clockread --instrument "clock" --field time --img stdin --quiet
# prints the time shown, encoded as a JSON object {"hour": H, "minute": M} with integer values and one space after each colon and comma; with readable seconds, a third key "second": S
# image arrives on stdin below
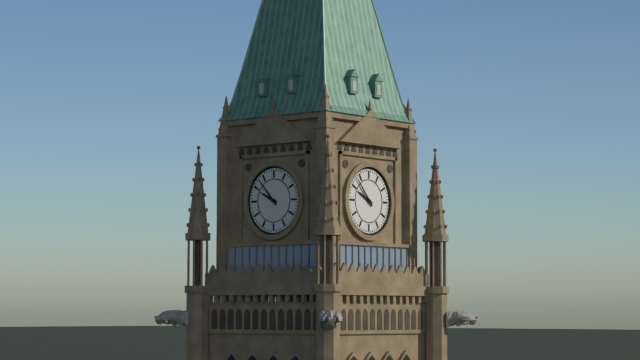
{"hour": 9, "minute": 53}
